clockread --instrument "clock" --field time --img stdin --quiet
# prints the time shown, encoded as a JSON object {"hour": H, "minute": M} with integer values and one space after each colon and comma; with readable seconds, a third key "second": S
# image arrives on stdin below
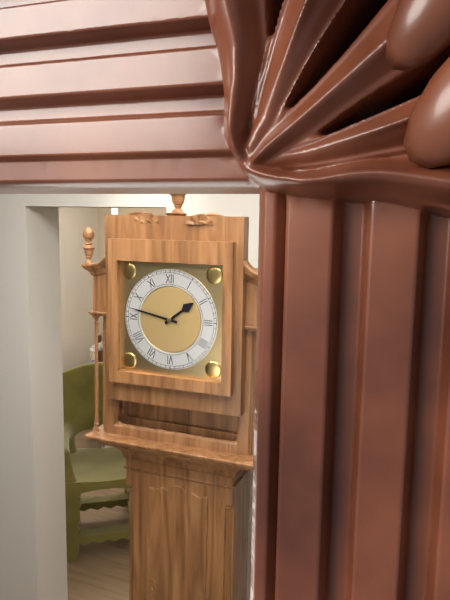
{"hour": 1, "minute": 47}
